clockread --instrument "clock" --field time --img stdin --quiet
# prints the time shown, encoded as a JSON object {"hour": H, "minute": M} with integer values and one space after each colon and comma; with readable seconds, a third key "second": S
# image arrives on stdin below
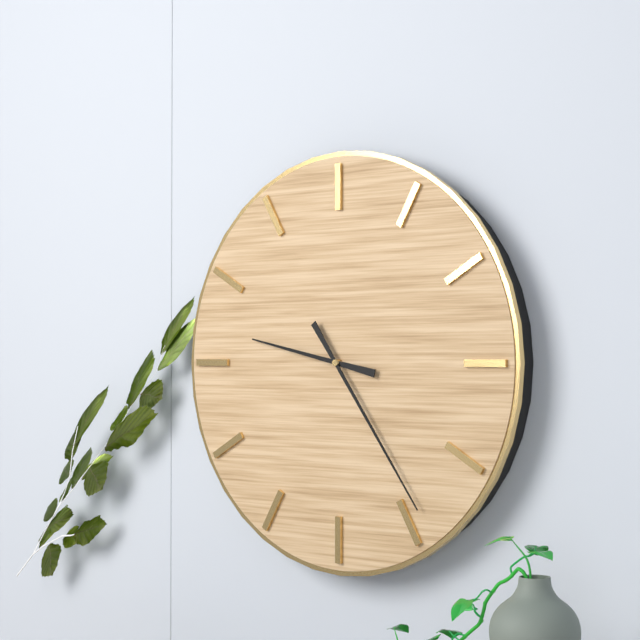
{"hour": 9, "minute": 24}
